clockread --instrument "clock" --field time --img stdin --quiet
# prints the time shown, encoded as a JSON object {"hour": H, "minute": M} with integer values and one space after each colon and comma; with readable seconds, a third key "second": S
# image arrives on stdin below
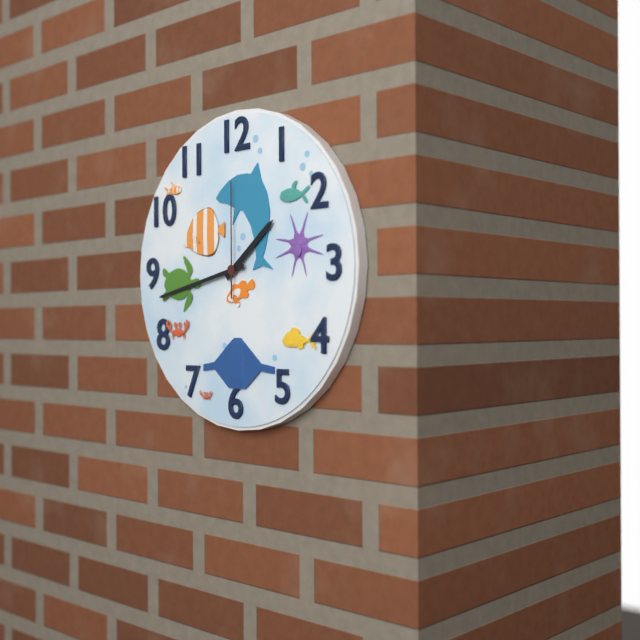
{"hour": 1, "minute": 43, "second": 0}
